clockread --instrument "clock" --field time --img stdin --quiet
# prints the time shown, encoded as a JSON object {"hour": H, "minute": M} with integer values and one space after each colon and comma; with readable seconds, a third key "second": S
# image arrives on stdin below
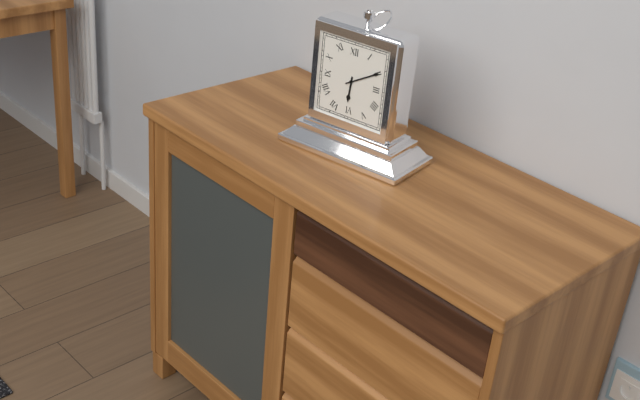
{"hour": 6, "minute": 10}
